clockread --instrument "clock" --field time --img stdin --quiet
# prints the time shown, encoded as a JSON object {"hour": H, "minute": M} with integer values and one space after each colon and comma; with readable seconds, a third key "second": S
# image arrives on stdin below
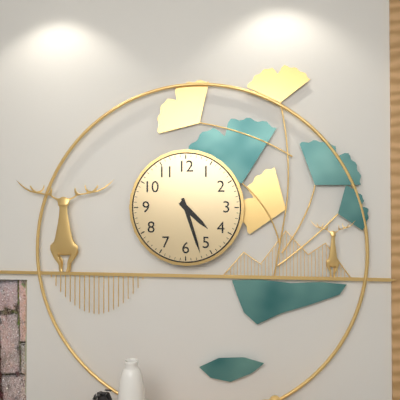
{"hour": 4, "minute": 27}
